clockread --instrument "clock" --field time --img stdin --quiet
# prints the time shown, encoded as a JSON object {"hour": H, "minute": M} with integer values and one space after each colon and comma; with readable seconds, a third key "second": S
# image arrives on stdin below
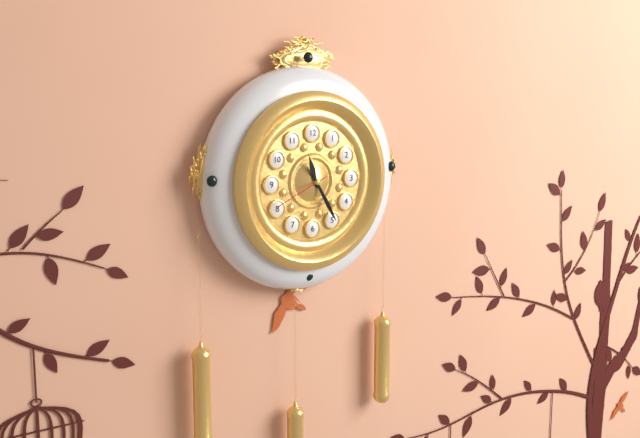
{"hour": 11, "minute": 25, "second": 41}
